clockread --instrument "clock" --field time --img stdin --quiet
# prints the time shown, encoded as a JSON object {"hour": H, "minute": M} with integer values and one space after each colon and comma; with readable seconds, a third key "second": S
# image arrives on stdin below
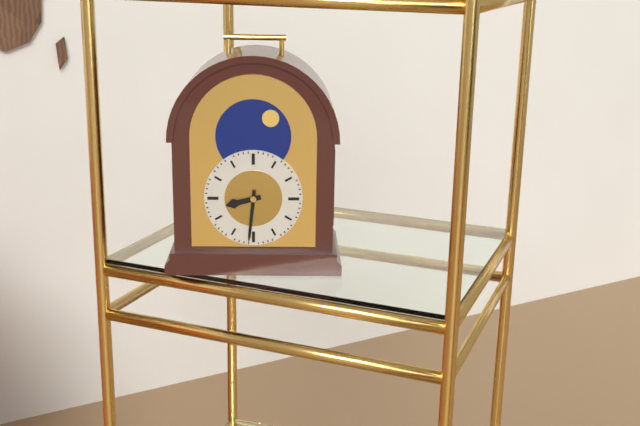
{"hour": 8, "minute": 31}
